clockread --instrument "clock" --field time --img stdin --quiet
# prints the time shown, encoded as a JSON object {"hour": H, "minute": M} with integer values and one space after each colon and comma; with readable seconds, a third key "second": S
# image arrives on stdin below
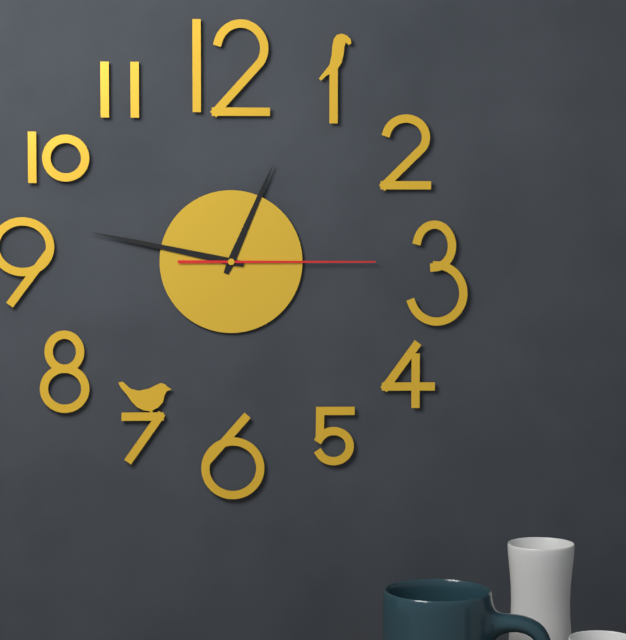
{"hour": 12, "minute": 47, "second": 15}
